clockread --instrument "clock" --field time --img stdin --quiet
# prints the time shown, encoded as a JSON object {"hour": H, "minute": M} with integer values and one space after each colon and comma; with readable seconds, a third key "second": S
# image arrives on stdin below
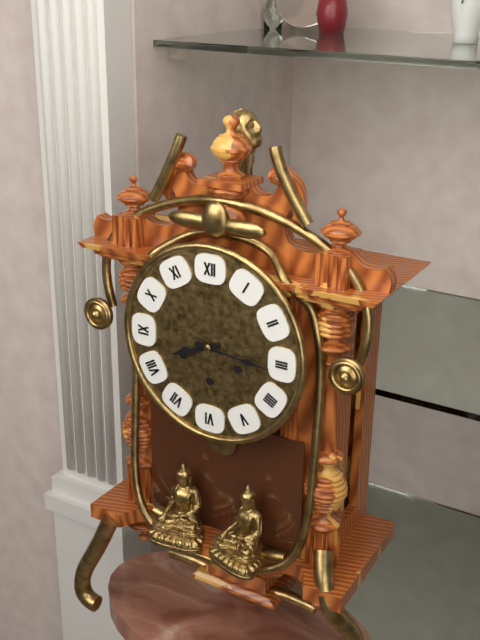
{"hour": 8, "minute": 16}
